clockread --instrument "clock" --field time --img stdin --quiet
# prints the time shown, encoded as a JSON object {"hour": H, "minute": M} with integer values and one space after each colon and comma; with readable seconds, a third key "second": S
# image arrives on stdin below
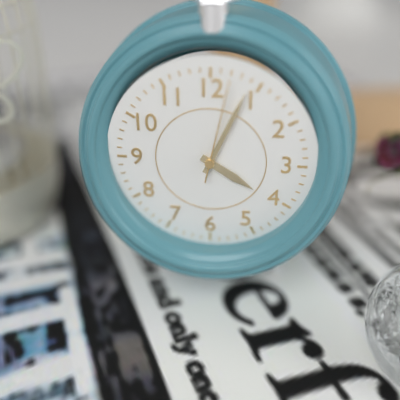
{"hour": 4, "minute": 4, "second": 2}
